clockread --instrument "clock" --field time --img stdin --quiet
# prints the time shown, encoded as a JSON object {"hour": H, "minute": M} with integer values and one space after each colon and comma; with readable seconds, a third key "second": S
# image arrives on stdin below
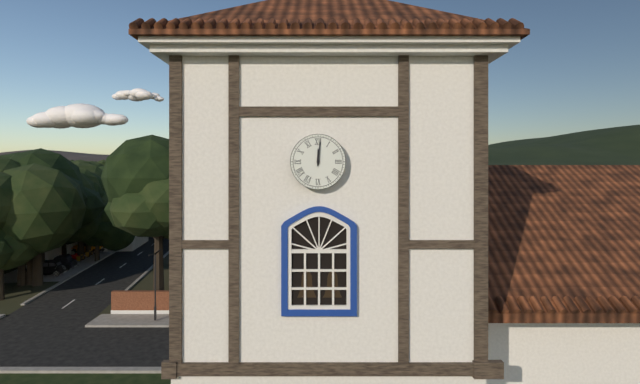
{"hour": 12, "minute": 1}
